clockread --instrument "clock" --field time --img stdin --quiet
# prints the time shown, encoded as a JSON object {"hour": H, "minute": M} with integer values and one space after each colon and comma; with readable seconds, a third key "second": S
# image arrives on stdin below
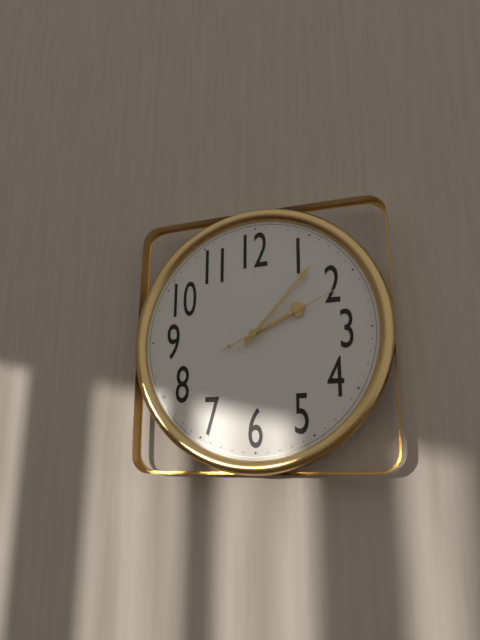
{"hour": 2, "minute": 7, "second": 11}
